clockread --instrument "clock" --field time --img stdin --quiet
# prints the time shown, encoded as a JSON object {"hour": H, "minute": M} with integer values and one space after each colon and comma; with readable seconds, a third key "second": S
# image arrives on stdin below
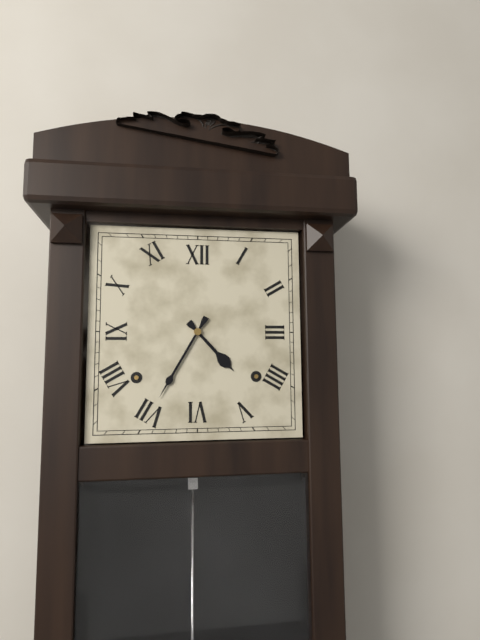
{"hour": 4, "minute": 35}
